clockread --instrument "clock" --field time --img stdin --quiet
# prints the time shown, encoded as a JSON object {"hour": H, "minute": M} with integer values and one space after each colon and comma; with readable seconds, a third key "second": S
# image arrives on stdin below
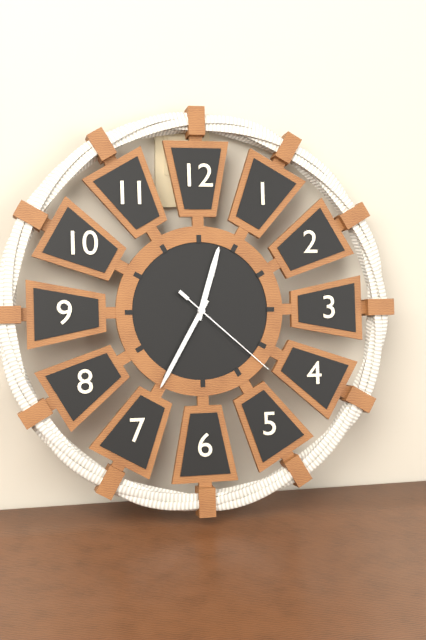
{"hour": 12, "minute": 35, "second": 22}
